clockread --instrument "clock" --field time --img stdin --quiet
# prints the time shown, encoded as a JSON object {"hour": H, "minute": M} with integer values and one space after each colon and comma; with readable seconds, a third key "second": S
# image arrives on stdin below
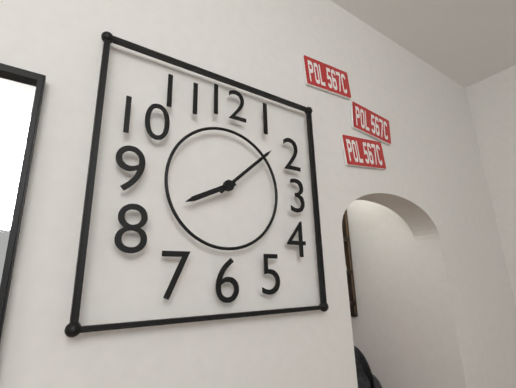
{"hour": 8, "minute": 8}
